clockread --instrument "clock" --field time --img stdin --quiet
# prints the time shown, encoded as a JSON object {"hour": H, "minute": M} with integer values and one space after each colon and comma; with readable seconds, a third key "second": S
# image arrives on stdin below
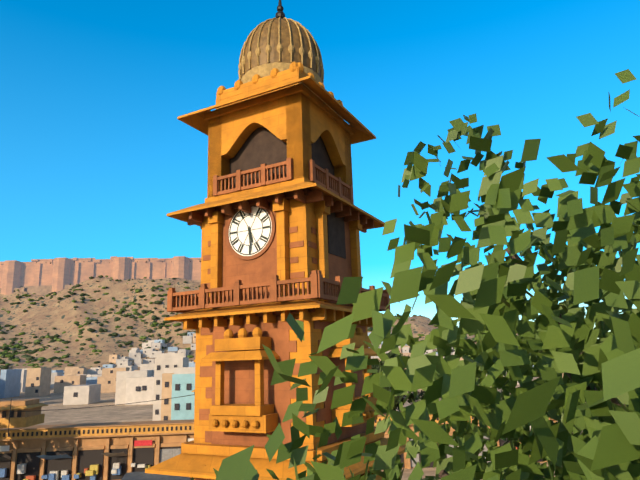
{"hour": 5, "minute": 29}
